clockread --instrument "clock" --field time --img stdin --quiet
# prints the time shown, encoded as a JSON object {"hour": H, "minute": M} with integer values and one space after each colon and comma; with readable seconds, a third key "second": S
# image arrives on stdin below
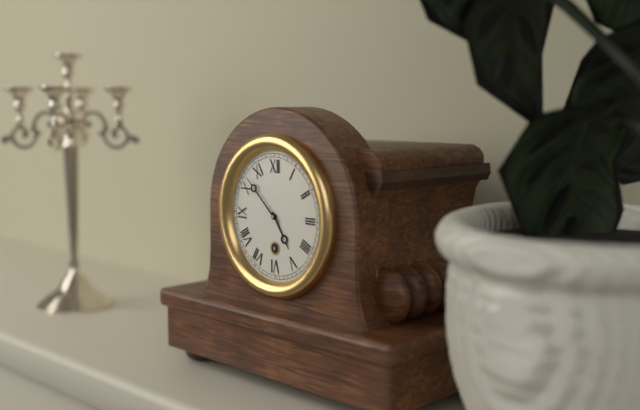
{"hour": 4, "minute": 52}
